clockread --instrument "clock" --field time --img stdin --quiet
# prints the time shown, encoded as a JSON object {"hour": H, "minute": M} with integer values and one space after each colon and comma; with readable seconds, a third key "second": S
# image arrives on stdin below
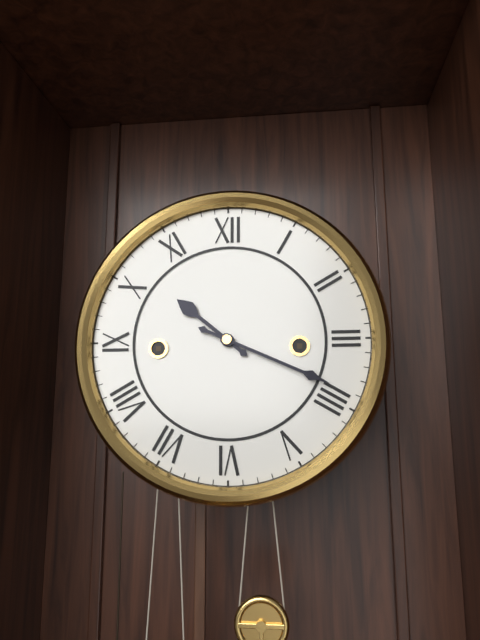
{"hour": 10, "minute": 19}
